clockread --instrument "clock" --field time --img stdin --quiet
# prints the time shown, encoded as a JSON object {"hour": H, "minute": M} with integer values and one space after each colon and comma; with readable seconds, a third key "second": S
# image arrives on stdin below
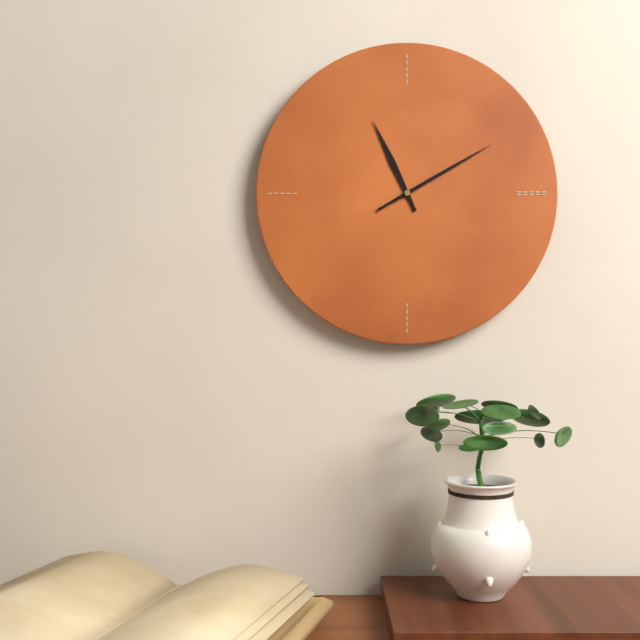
{"hour": 11, "minute": 10}
